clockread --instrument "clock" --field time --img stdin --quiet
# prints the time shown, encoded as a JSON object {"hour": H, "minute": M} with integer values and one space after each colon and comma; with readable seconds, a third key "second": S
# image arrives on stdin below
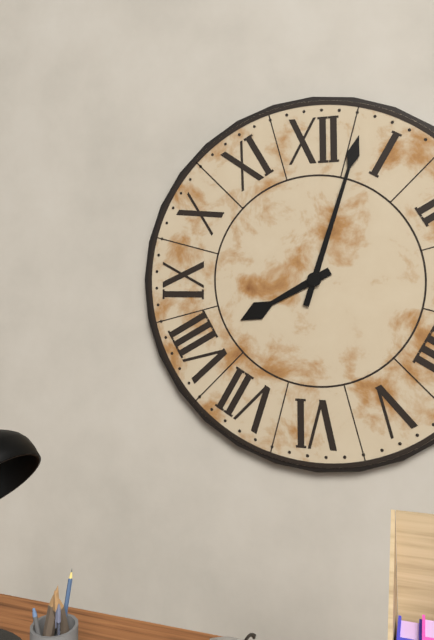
{"hour": 8, "minute": 3}
